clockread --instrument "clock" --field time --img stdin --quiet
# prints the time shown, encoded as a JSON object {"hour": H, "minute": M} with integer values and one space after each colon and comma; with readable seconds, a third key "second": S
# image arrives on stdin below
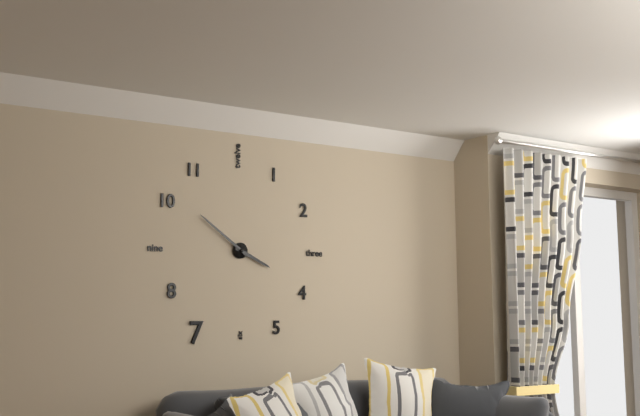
{"hour": 3, "minute": 51}
